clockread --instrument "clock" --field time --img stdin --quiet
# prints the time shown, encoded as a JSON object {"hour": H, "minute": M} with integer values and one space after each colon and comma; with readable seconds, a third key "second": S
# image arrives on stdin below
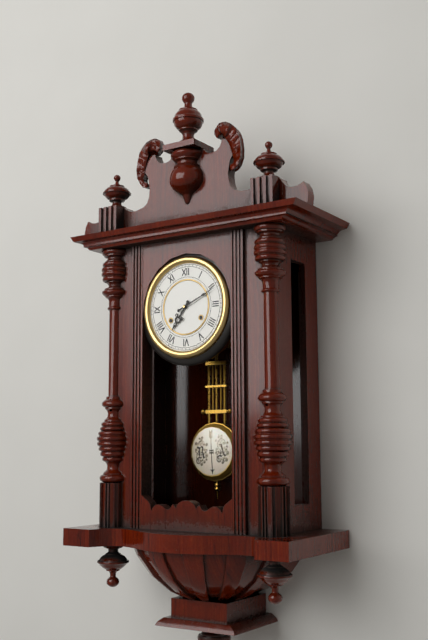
{"hour": 7, "minute": 11}
